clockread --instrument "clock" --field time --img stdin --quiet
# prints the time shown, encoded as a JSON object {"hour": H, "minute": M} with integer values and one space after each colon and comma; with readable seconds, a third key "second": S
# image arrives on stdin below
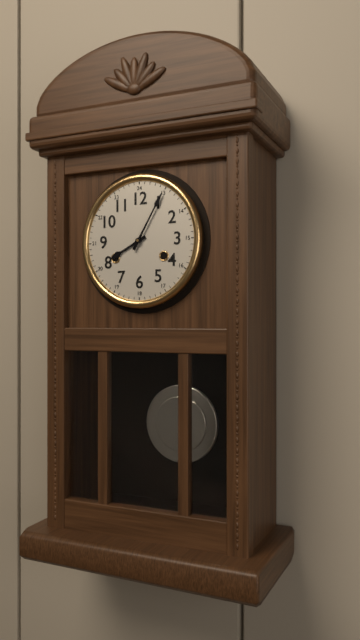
{"hour": 8, "minute": 5}
